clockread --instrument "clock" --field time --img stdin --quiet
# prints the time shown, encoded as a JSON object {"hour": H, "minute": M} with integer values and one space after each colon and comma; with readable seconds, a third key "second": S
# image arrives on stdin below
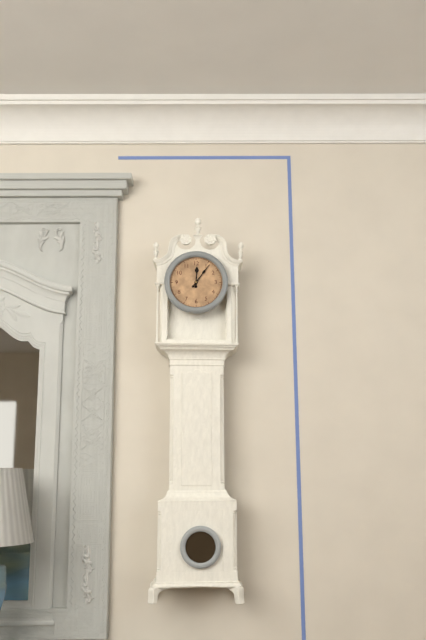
{"hour": 12, "minute": 6}
